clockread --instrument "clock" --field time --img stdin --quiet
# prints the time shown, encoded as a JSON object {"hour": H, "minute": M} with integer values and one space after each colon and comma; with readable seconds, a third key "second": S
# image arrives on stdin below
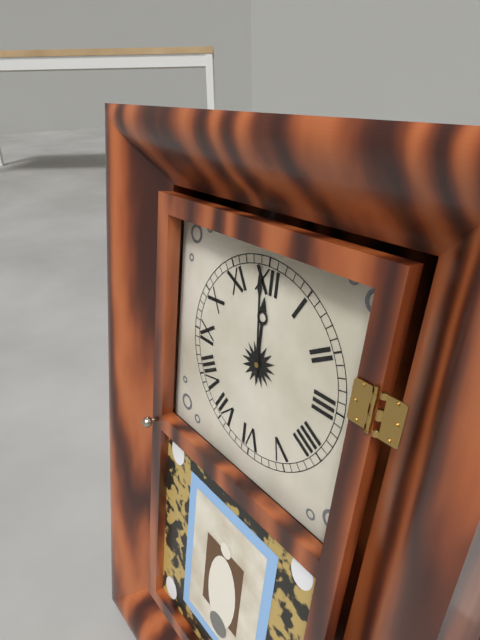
{"hour": 11, "minute": 59}
